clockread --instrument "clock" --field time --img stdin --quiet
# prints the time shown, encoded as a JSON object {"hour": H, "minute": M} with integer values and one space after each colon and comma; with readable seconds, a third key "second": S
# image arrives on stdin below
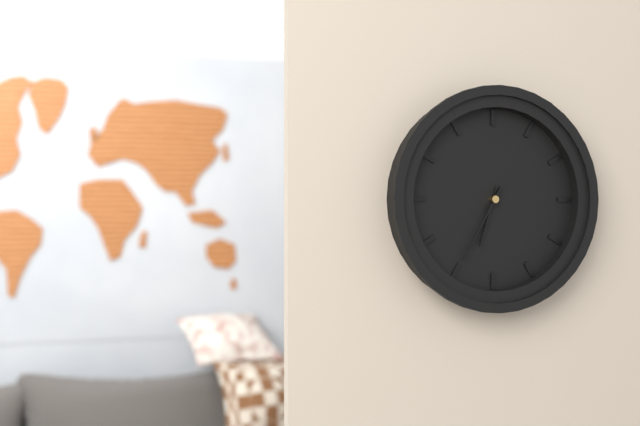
{"hour": 6, "minute": 35}
